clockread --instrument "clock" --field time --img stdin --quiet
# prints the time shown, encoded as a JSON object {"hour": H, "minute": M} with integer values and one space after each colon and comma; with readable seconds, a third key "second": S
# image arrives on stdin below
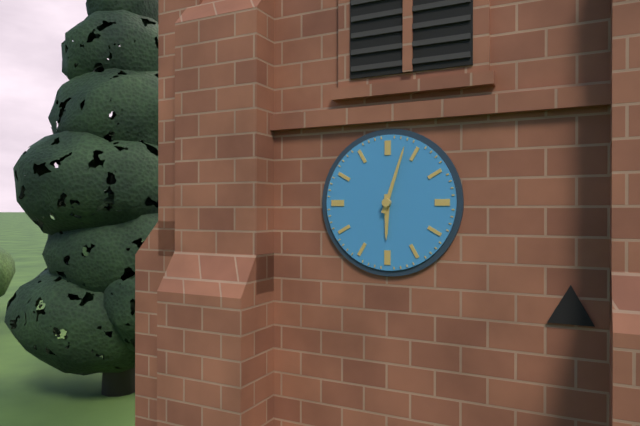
{"hour": 6, "minute": 3}
